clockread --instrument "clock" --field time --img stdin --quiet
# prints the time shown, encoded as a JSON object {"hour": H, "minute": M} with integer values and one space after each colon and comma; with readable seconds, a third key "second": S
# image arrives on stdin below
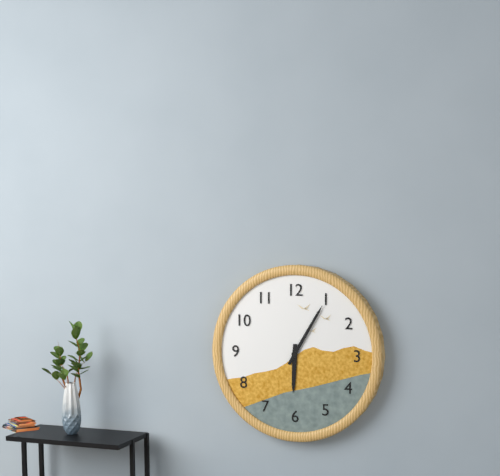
{"hour": 6, "minute": 5}
